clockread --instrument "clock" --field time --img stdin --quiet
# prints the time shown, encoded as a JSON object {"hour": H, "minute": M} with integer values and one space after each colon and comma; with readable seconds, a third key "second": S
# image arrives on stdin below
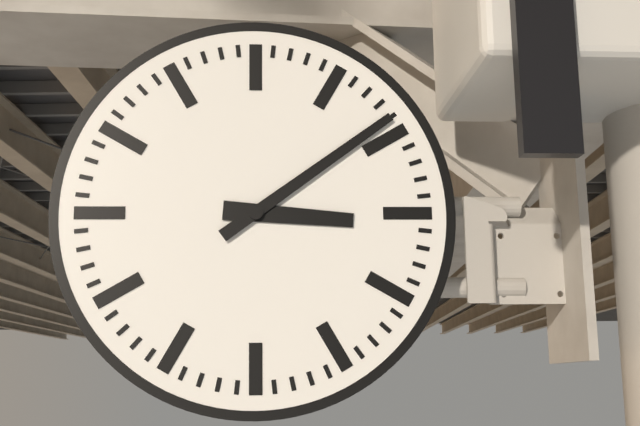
{"hour": 3, "minute": 9}
